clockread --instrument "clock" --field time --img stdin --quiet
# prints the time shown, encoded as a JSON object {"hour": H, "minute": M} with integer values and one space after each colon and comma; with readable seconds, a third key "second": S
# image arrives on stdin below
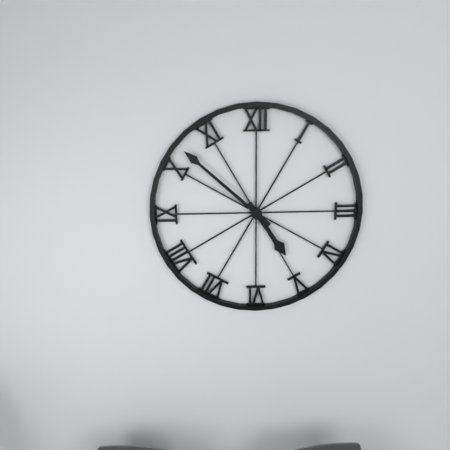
{"hour": 4, "minute": 52}
